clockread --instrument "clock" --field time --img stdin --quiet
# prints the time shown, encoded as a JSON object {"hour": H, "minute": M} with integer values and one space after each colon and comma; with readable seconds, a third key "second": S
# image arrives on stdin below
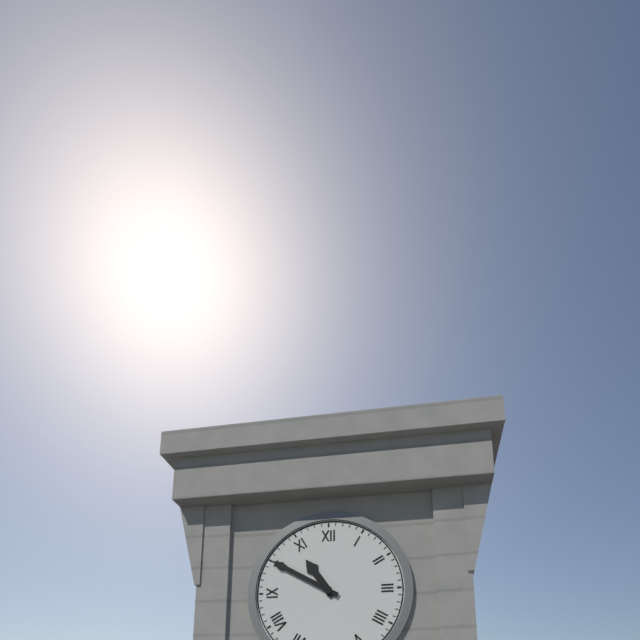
{"hour": 10, "minute": 50}
